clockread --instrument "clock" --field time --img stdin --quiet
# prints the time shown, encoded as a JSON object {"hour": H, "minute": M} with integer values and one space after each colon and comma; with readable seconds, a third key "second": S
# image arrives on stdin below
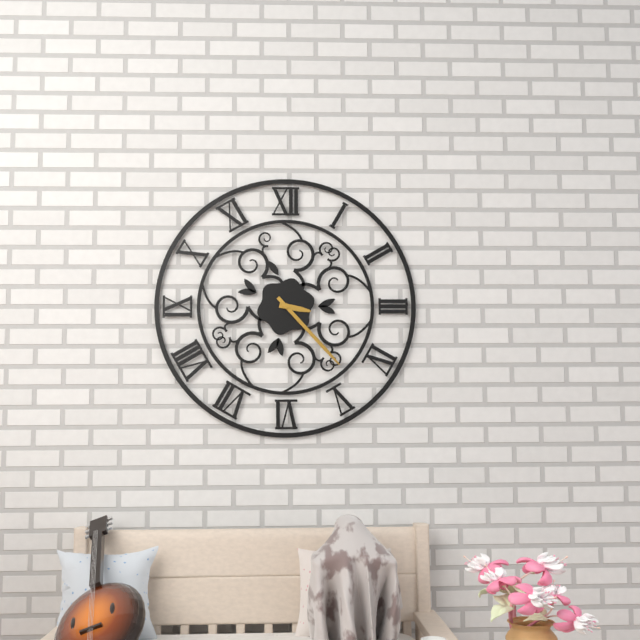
{"hour": 3, "minute": 23}
